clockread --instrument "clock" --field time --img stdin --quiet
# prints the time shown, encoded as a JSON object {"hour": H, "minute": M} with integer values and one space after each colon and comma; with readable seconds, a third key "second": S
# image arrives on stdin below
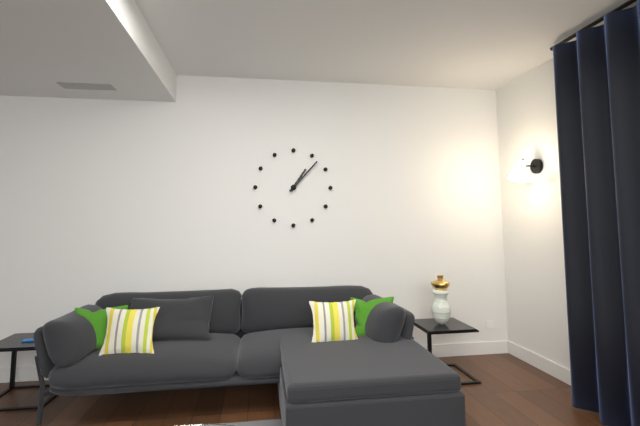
{"hour": 1, "minute": 7}
